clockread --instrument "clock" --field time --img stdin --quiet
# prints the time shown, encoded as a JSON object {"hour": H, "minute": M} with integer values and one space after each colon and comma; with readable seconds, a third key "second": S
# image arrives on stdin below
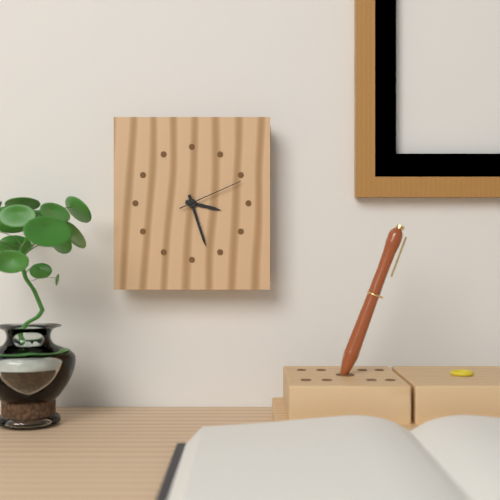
{"hour": 3, "minute": 27, "second": 11}
